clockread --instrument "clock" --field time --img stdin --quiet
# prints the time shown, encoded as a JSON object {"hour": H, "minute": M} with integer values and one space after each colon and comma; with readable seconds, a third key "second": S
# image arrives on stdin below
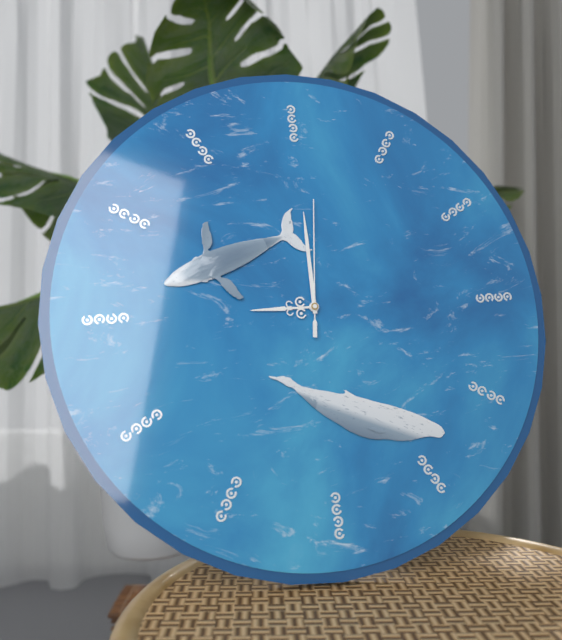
{"hour": 9, "minute": 0, "second": 1}
